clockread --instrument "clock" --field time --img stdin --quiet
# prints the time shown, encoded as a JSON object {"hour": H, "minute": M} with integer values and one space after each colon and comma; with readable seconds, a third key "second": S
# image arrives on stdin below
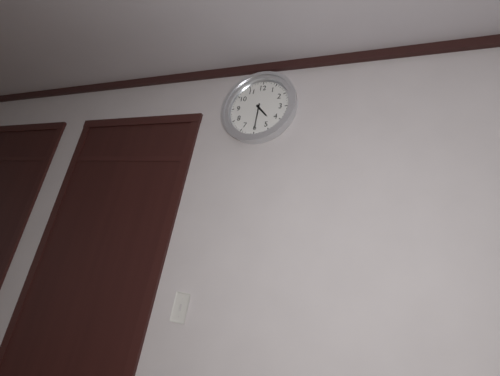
{"hour": 4, "minute": 30}
